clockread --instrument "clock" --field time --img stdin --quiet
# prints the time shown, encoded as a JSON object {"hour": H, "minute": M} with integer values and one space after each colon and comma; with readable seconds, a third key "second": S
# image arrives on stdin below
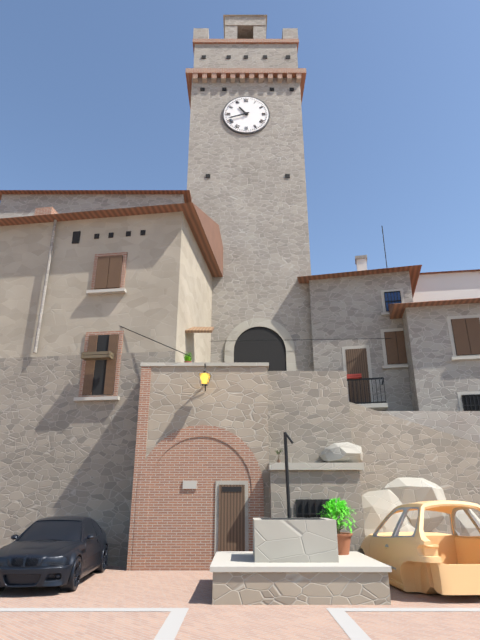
{"hour": 10, "minute": 42}
